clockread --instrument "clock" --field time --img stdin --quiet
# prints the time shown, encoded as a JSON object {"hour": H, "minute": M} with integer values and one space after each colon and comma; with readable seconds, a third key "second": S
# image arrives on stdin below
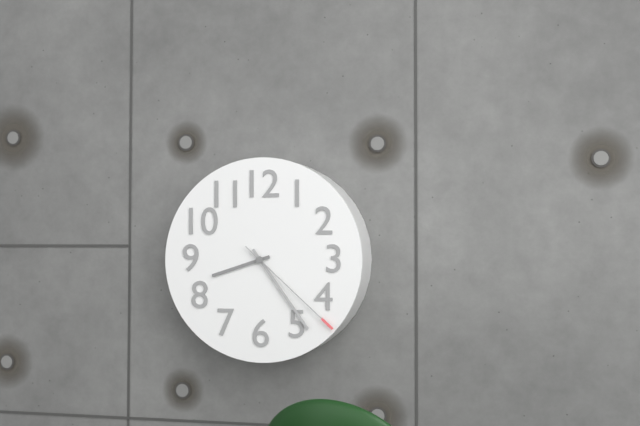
{"hour": 8, "minute": 24, "second": 22}
